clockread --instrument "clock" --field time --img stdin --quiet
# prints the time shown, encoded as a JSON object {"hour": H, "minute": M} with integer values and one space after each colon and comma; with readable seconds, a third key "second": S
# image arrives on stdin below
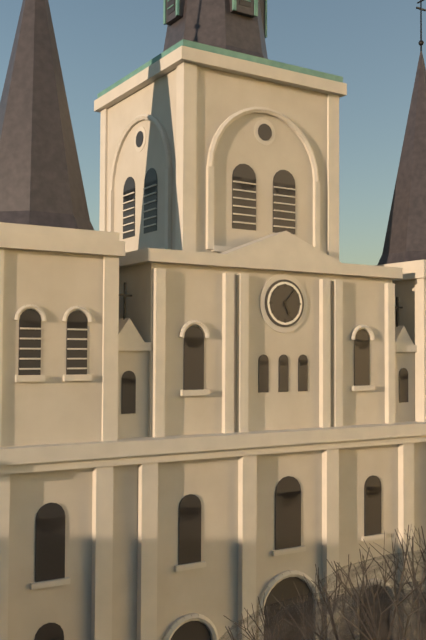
{"hour": 5, "minute": 7}
